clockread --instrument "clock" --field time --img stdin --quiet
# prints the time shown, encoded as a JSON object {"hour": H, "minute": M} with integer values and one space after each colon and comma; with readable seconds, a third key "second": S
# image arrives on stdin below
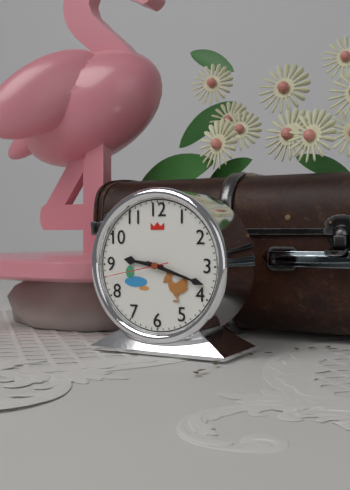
{"hour": 9, "minute": 18, "second": 43}
